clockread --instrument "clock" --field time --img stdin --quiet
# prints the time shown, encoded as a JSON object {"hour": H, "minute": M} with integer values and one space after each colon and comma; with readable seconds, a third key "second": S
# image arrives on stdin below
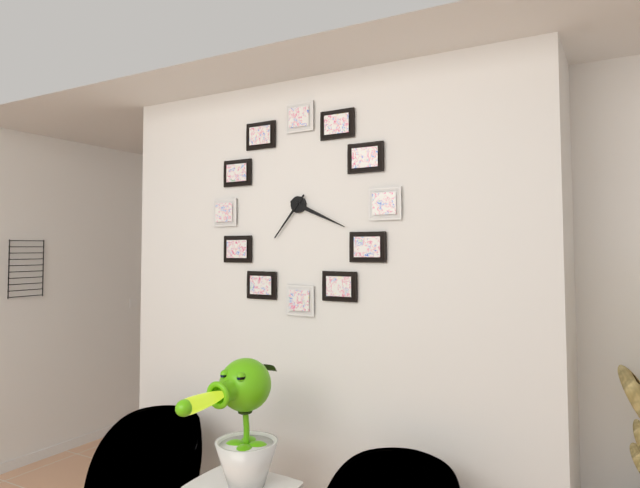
{"hour": 7, "minute": 19}
